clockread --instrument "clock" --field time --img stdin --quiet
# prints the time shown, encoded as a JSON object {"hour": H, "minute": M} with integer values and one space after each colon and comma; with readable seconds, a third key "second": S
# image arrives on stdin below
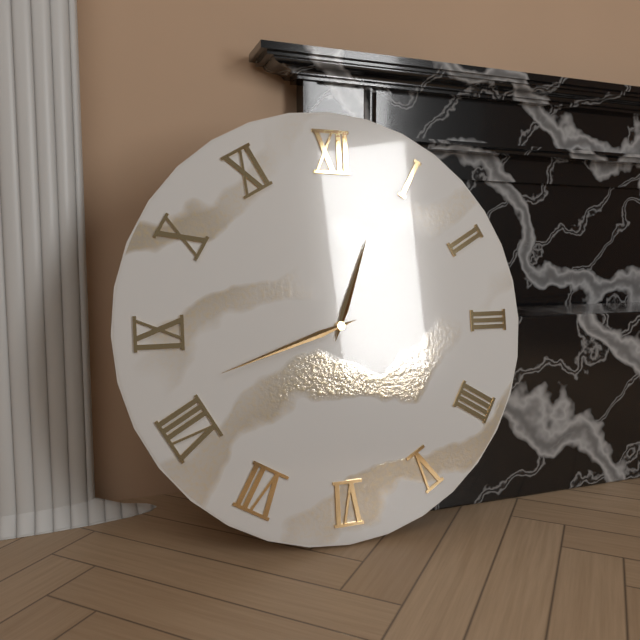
{"hour": 12, "minute": 42}
